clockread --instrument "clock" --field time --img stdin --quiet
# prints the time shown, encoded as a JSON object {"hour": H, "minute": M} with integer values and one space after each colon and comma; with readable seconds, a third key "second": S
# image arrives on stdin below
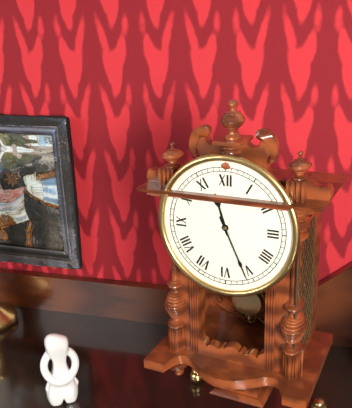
{"hour": 11, "minute": 26}
